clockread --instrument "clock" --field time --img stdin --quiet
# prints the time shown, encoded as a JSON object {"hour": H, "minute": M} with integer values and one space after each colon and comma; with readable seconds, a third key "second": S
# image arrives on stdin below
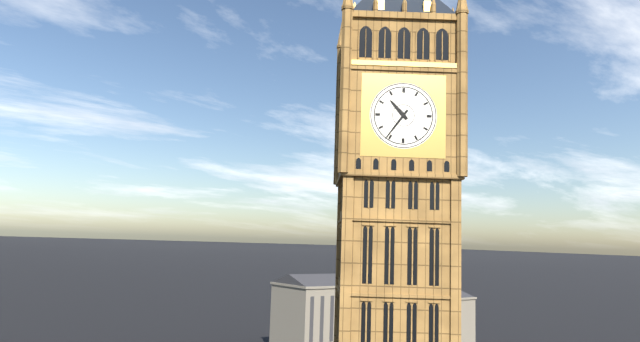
{"hour": 10, "minute": 36}
